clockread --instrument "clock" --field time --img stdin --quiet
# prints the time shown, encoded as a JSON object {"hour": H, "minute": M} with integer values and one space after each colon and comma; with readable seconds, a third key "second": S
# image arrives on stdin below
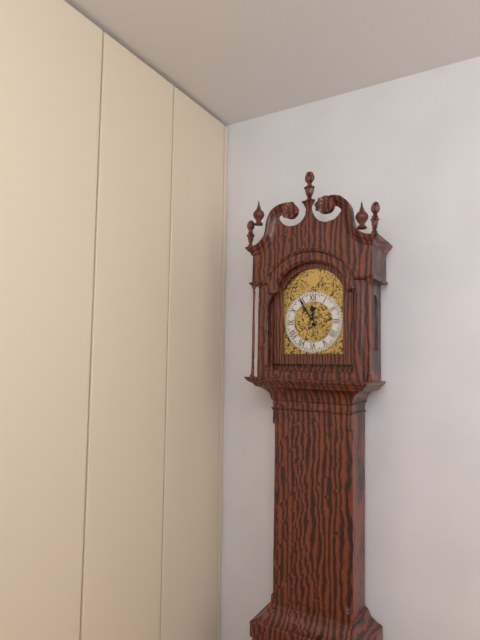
{"hour": 11, "minute": 55}
